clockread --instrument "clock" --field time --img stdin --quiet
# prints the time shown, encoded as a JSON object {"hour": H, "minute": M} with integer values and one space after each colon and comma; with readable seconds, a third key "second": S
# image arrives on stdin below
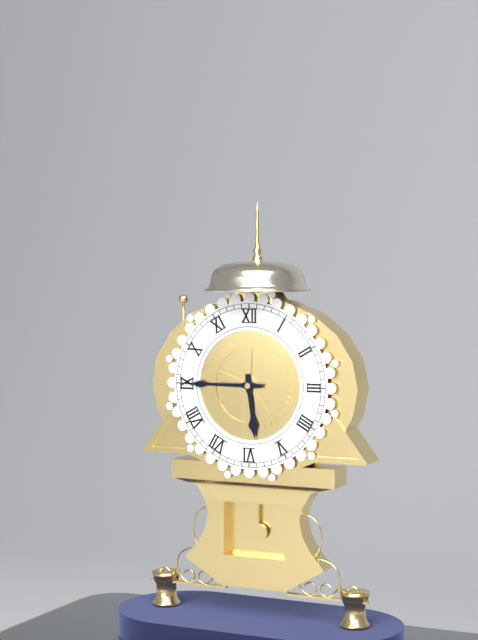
{"hour": 5, "minute": 45}
